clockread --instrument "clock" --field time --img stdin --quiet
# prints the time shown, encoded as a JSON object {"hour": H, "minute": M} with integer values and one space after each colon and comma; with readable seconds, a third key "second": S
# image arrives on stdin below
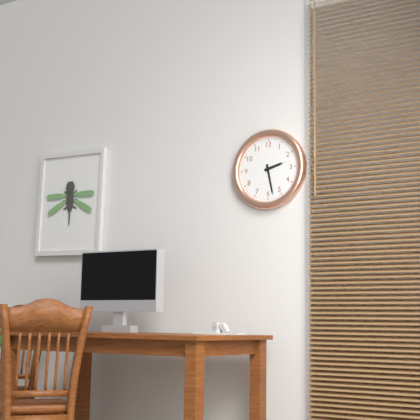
{"hour": 2, "minute": 28}
